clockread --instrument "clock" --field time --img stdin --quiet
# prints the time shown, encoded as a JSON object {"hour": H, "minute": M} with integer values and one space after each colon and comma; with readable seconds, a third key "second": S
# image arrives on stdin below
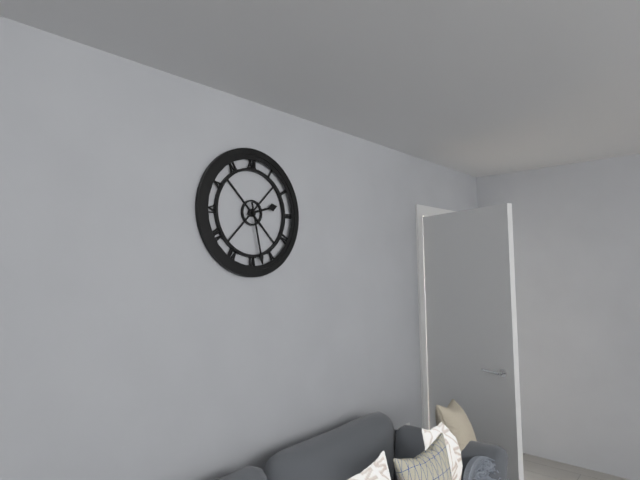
{"hour": 2, "minute": 28}
